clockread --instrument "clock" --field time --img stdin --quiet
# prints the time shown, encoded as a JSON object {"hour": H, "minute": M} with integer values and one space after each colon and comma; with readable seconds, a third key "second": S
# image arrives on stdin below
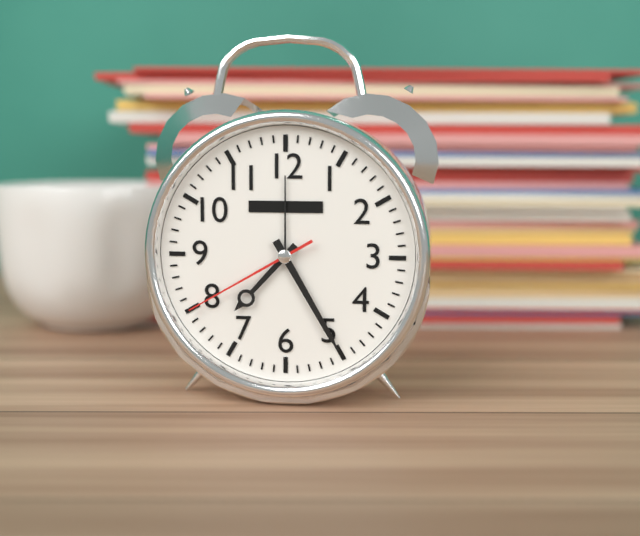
{"hour": 7, "minute": 25, "second": 40}
